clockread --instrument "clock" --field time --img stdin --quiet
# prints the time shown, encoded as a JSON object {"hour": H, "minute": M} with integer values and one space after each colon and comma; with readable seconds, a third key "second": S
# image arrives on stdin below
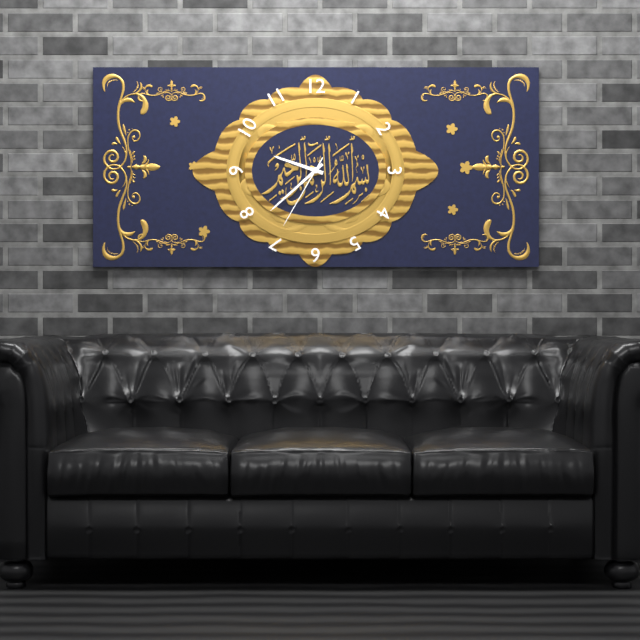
{"hour": 9, "minute": 38, "second": 35}
